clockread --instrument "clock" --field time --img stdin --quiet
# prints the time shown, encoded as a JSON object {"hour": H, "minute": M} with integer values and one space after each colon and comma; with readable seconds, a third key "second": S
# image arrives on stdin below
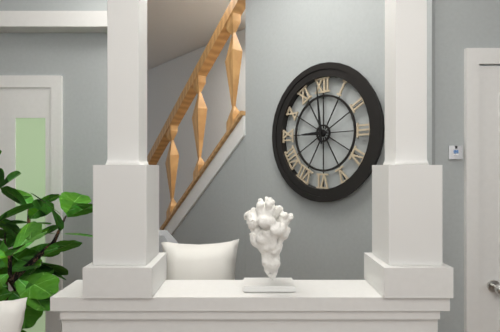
{"hour": 8, "minute": 59}
